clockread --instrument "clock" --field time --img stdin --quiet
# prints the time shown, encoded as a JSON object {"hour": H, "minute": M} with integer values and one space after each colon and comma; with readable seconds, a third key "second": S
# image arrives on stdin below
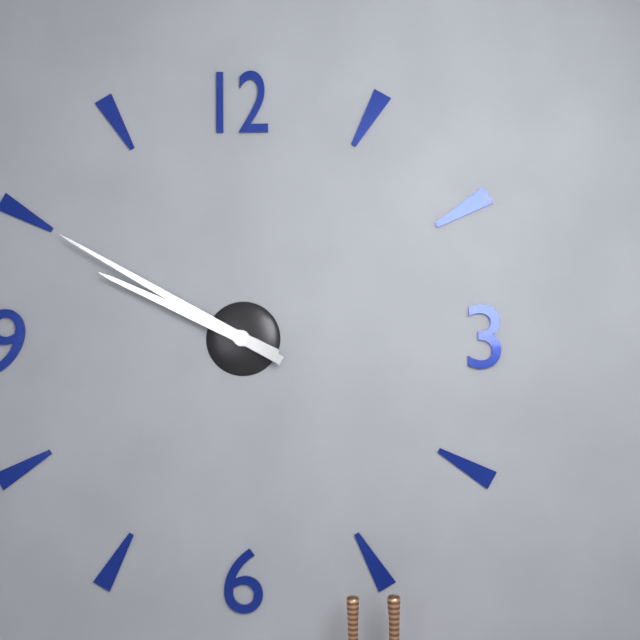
{"hour": 9, "minute": 50}
